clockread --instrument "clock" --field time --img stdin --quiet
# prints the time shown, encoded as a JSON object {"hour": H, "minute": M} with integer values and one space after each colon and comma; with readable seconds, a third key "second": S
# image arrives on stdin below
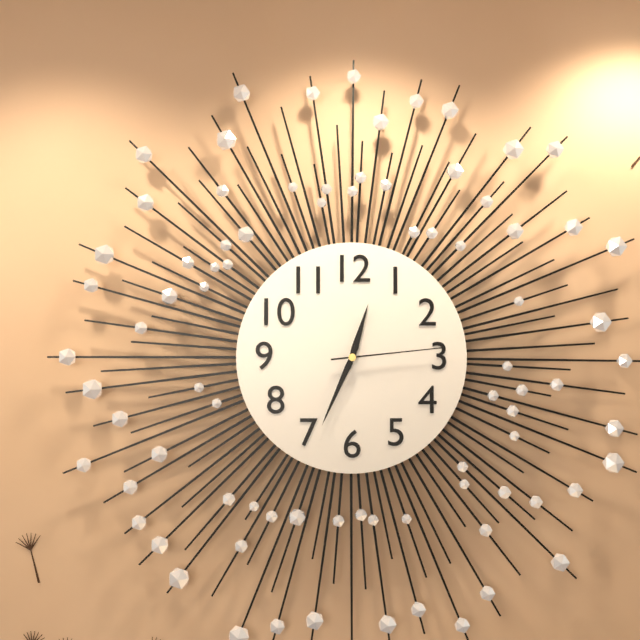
{"hour": 12, "minute": 34, "second": 14}
